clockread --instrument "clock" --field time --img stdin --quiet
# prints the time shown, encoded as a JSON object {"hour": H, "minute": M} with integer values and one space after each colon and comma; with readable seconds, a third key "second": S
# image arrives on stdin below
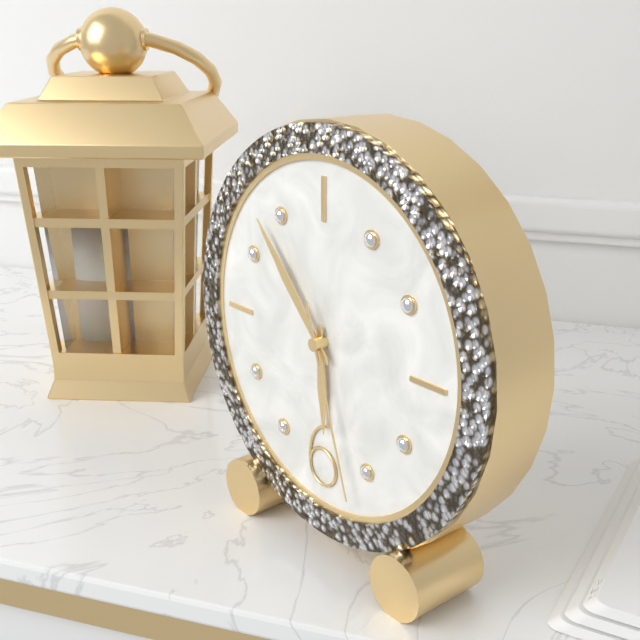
{"hour": 5, "minute": 53, "second": 27}
